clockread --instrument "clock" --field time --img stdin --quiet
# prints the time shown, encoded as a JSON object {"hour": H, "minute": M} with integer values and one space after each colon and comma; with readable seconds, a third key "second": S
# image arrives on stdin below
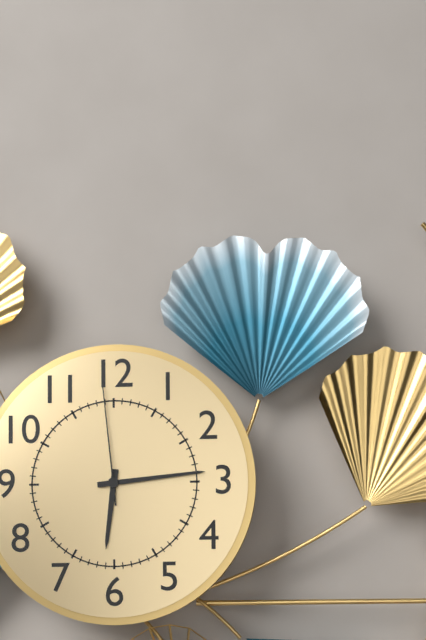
{"hour": 6, "minute": 14, "second": 59}
